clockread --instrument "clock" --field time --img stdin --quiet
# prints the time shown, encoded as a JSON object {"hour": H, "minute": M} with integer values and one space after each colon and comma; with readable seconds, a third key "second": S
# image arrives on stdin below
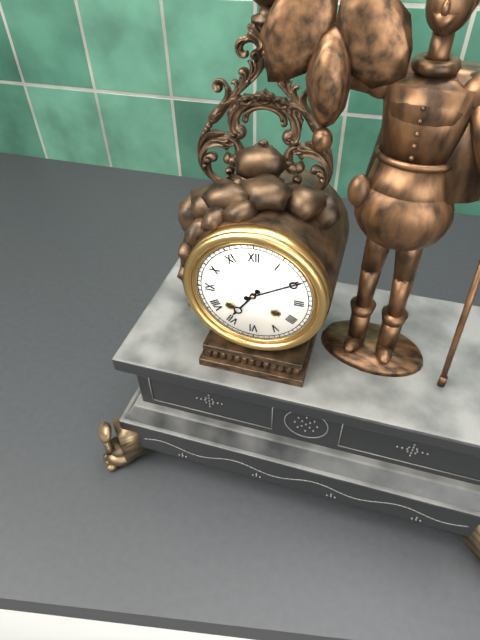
{"hour": 7, "minute": 10}
